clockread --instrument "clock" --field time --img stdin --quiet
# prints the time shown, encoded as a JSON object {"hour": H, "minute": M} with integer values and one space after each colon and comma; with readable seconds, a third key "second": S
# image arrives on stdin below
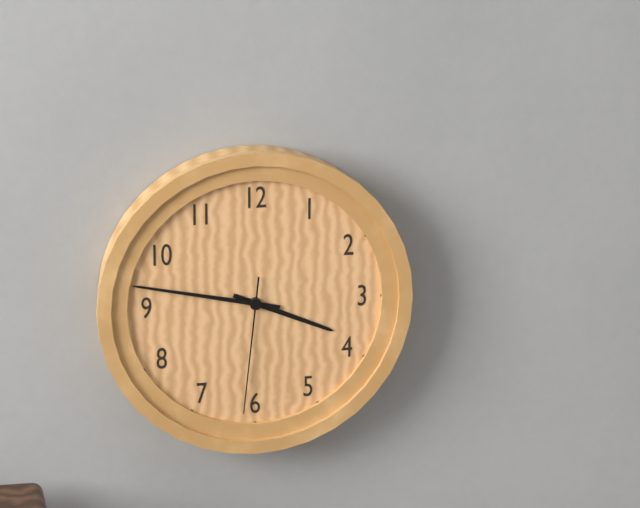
{"hour": 3, "minute": 47, "second": 31}
